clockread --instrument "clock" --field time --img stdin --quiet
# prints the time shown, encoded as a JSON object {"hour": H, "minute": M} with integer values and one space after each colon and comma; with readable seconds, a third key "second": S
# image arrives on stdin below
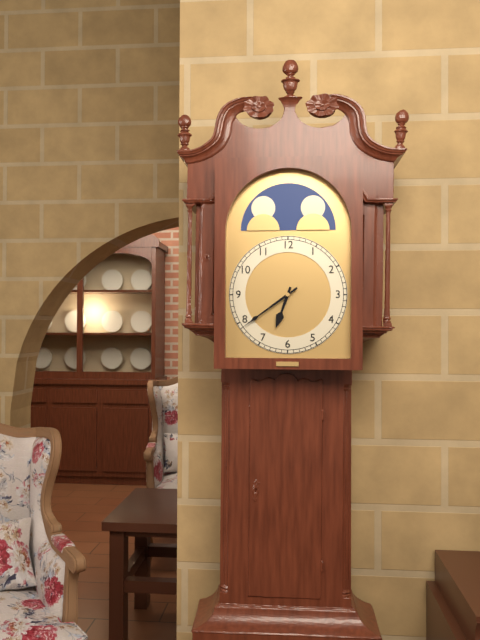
{"hour": 6, "minute": 39}
